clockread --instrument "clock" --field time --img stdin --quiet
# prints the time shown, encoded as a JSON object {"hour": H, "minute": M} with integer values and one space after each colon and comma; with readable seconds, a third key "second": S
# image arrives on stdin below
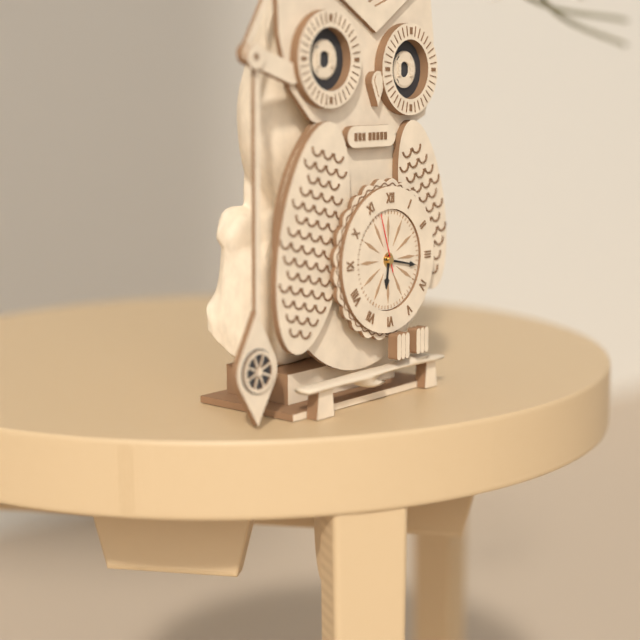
{"hour": 6, "minute": 17, "second": 57}
